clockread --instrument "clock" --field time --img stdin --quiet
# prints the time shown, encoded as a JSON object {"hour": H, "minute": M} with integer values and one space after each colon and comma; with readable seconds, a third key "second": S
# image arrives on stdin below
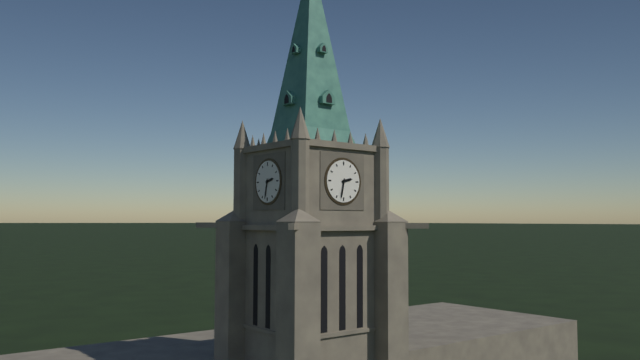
{"hour": 2, "minute": 32}
